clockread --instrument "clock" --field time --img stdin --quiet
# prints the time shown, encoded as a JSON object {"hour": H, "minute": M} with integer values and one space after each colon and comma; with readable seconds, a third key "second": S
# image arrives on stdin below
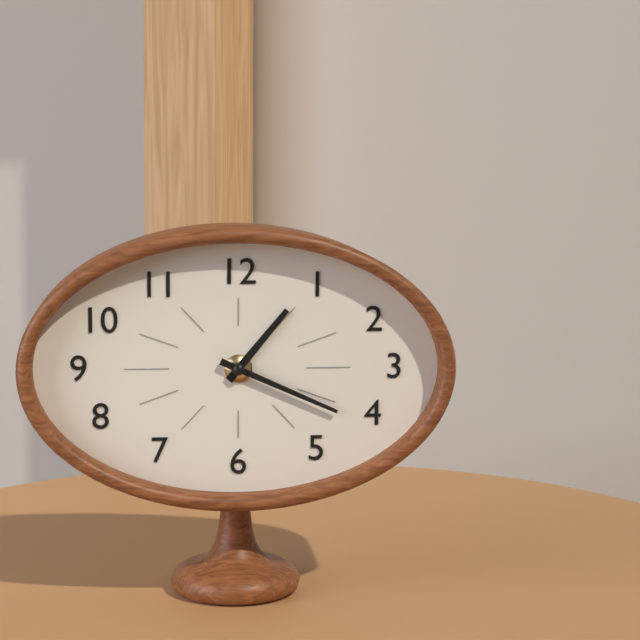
{"hour": 1, "minute": 19}
